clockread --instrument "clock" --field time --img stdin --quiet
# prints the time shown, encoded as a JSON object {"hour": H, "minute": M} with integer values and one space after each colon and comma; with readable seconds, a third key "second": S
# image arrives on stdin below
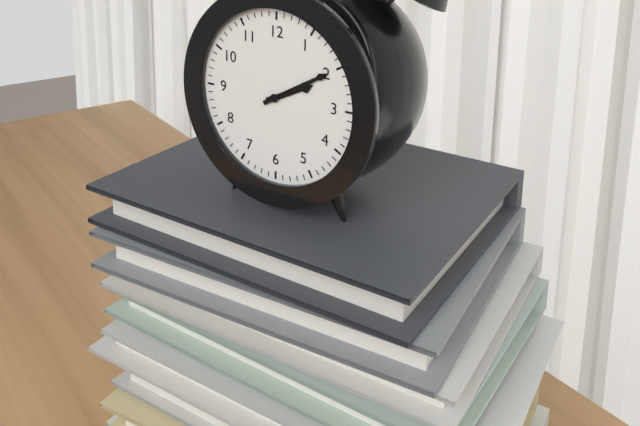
{"hour": 2, "minute": 10}
